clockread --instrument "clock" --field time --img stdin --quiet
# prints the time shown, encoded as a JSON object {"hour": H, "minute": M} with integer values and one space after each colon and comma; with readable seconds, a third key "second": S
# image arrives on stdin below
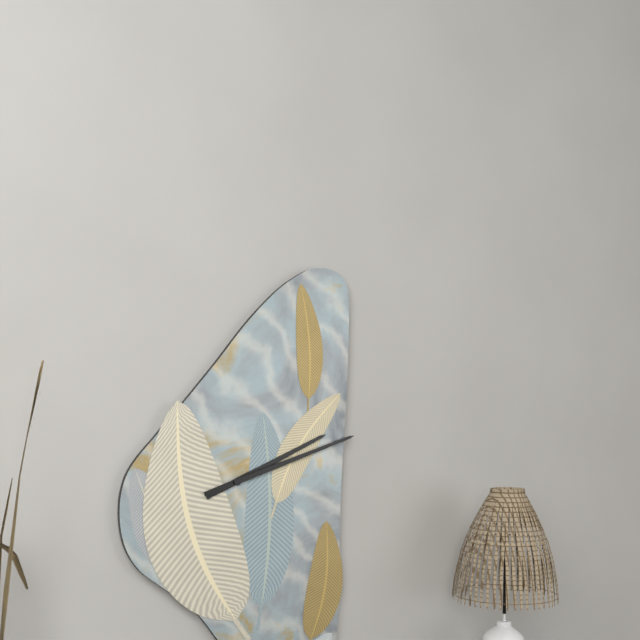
{"hour": 2, "minute": 12}
